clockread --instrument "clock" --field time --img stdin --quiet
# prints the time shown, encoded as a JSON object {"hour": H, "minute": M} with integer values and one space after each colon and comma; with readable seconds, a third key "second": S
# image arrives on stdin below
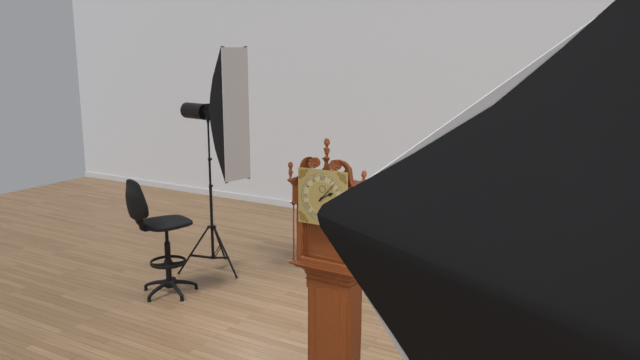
{"hour": 2, "minute": 7}
